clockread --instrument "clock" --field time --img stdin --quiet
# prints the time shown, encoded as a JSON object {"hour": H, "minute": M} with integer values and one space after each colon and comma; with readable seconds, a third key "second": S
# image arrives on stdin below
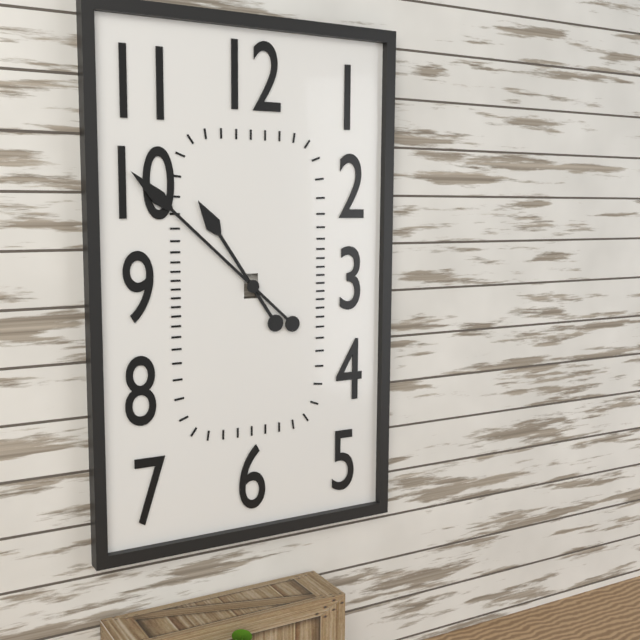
{"hour": 10, "minute": 52}
